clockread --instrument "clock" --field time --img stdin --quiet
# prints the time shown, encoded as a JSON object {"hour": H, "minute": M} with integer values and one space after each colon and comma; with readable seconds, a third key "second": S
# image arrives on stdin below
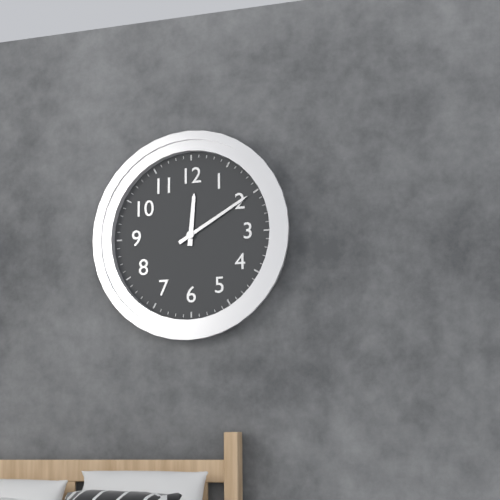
{"hour": 12, "minute": 10}
